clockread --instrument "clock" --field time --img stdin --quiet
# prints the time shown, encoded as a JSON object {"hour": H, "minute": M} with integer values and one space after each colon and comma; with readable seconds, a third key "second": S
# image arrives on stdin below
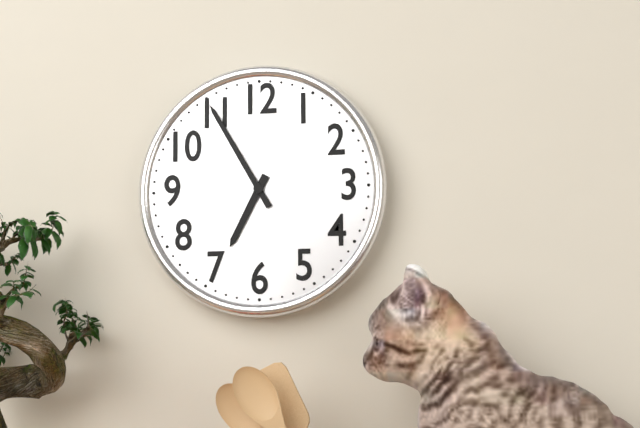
{"hour": 6, "minute": 55}
